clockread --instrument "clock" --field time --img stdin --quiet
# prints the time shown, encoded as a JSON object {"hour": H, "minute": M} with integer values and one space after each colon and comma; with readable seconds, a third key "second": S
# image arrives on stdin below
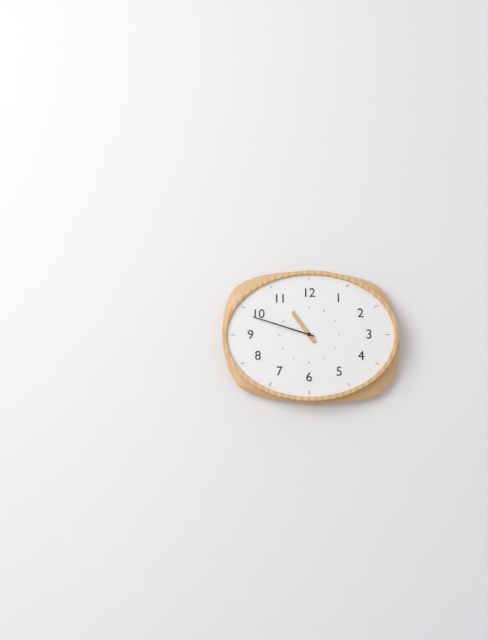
{"hour": 10, "minute": 48}
